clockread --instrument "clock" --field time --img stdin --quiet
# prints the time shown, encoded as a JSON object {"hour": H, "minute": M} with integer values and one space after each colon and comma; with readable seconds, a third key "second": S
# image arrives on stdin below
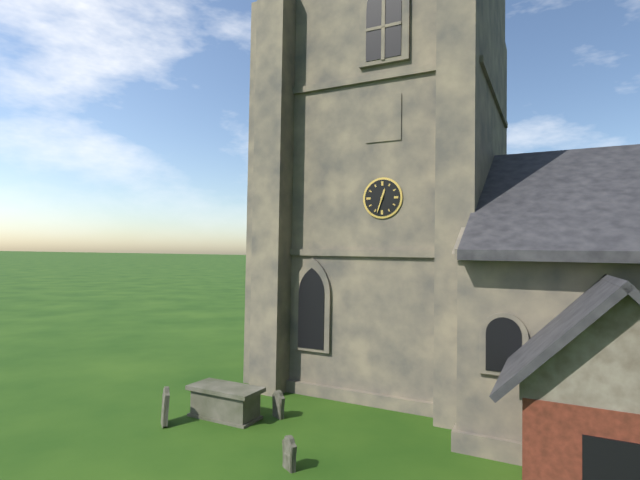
{"hour": 12, "minute": 33}
